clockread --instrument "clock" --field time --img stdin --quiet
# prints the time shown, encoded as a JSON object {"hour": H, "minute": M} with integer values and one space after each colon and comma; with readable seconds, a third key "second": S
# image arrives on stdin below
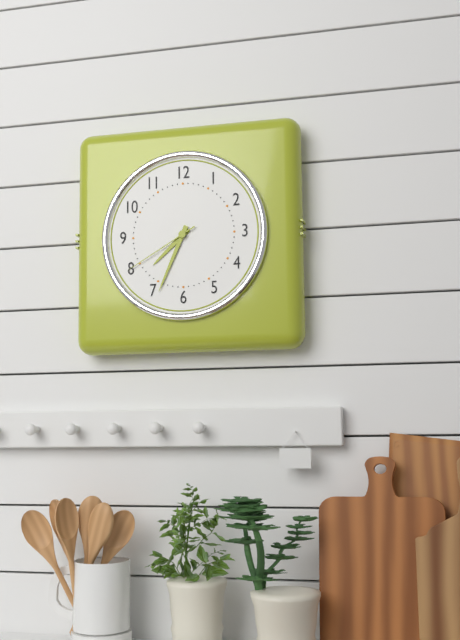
{"hour": 7, "minute": 34, "second": 40}
